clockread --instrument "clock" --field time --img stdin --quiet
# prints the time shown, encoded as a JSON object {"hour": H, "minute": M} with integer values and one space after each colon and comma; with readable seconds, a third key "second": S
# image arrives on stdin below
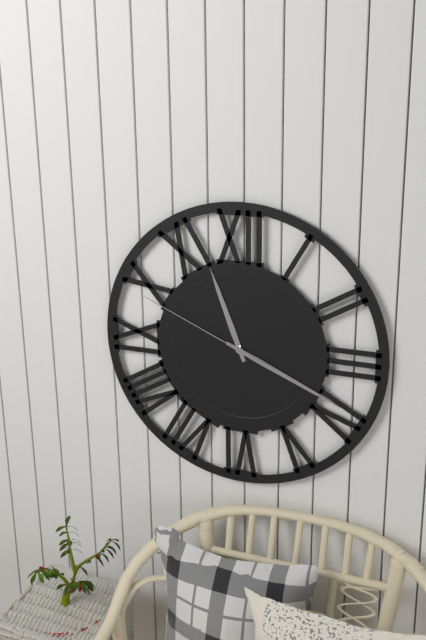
{"hour": 11, "minute": 19, "second": 49}
